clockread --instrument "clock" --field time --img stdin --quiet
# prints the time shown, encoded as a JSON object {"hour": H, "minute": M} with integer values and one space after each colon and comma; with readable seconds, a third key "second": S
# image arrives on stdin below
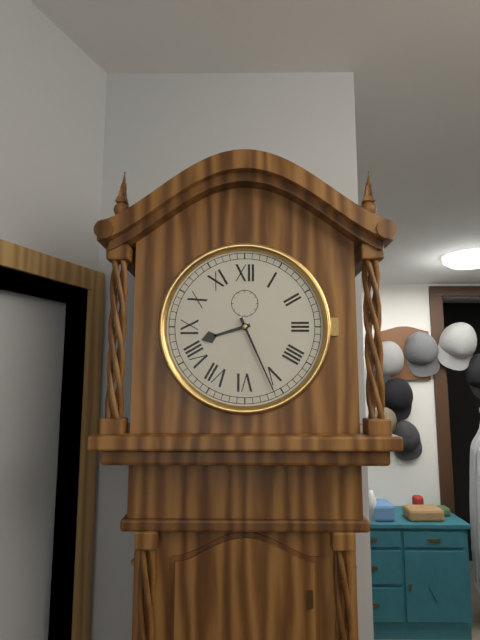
{"hour": 8, "minute": 26}
